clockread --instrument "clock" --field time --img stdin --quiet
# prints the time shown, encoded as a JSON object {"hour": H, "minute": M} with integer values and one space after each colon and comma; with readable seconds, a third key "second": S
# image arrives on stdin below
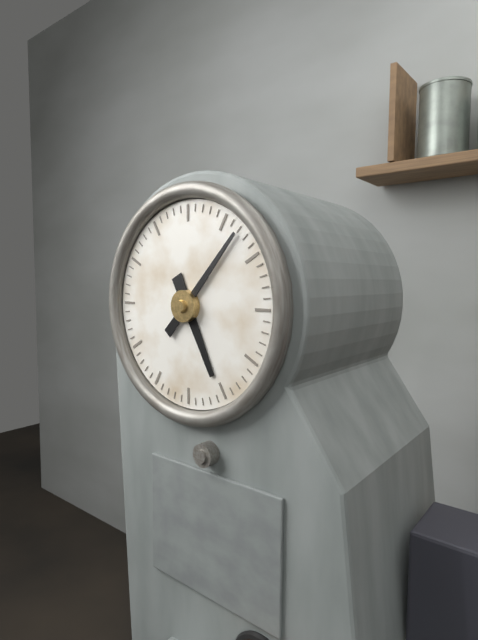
{"hour": 5, "minute": 7}
